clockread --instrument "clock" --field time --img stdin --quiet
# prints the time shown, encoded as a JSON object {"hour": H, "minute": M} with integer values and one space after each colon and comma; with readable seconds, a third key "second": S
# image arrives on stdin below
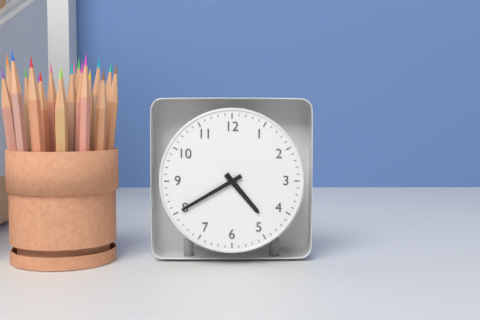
{"hour": 4, "minute": 40}
